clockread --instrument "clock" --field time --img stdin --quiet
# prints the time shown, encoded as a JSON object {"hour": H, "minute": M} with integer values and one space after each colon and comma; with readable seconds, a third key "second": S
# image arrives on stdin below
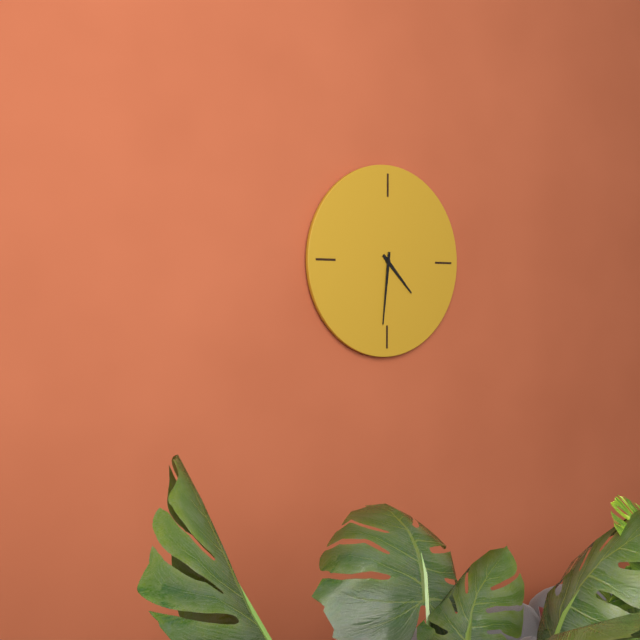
{"hour": 4, "minute": 31}
